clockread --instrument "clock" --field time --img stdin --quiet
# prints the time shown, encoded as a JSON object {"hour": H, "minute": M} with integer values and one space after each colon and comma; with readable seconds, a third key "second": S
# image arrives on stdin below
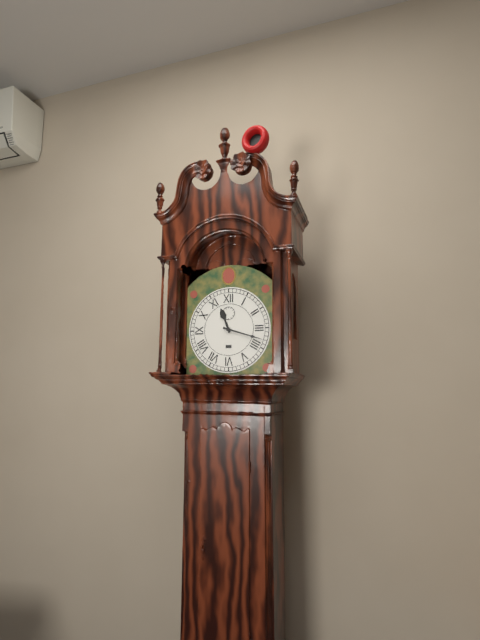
{"hour": 11, "minute": 18}
